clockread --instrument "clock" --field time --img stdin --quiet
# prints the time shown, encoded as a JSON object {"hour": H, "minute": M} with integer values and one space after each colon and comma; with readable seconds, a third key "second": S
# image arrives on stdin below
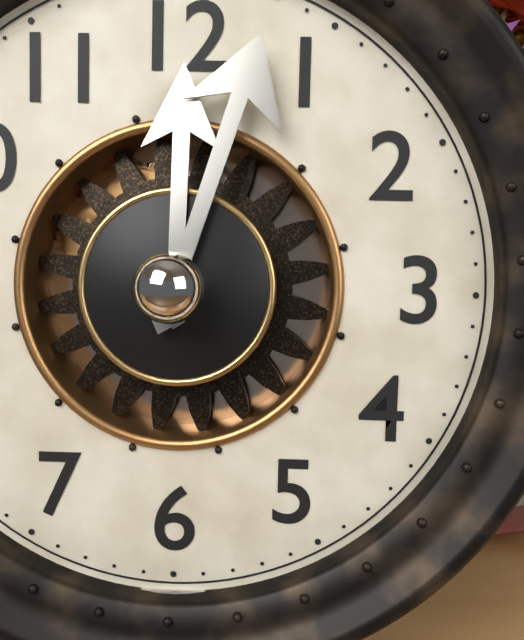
{"hour": 12, "minute": 3}
